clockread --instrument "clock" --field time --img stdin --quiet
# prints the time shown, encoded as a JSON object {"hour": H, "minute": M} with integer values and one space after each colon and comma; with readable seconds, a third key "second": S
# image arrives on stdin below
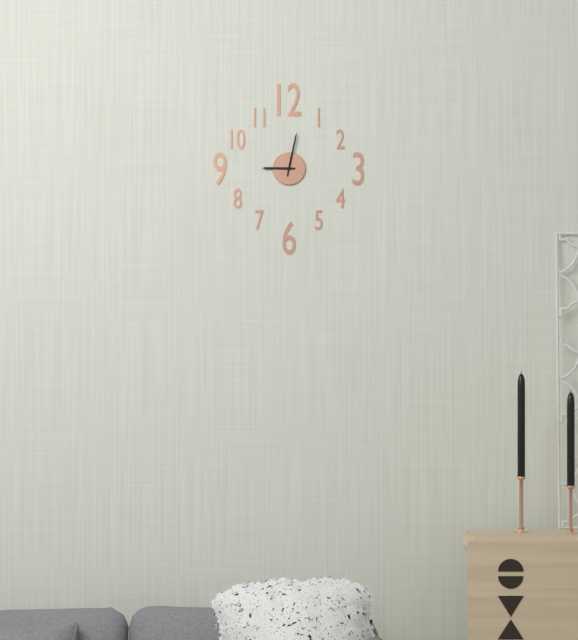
{"hour": 9, "minute": 2}
